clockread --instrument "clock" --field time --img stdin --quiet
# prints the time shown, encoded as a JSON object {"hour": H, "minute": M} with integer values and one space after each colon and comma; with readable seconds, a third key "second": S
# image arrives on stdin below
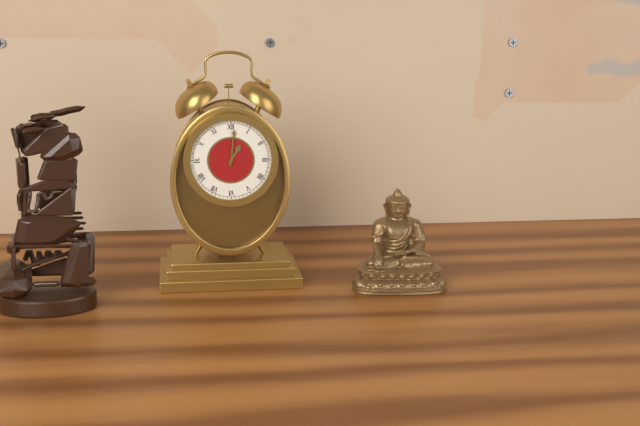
{"hour": 1, "minute": 1}
